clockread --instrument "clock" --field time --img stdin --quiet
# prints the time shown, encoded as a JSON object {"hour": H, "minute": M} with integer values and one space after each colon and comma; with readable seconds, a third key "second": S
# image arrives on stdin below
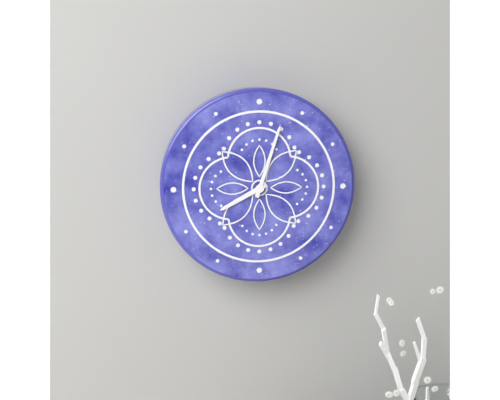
{"hour": 8, "minute": 3}
